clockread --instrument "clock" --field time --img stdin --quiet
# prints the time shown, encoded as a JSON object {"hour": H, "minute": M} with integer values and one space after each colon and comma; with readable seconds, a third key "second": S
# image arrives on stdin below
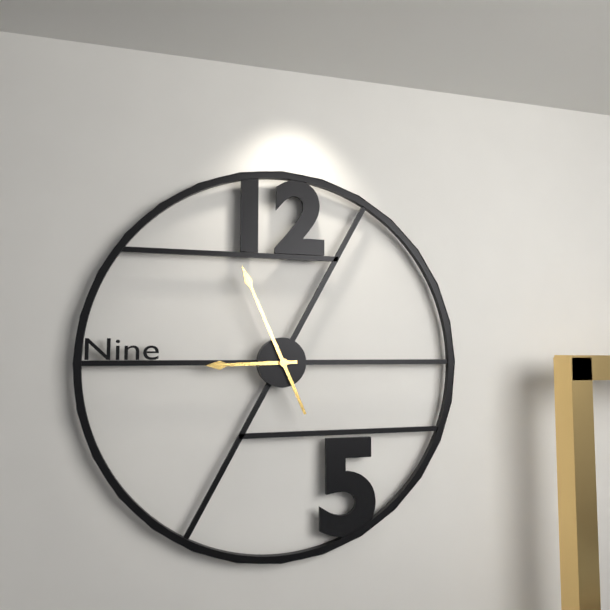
{"hour": 8, "minute": 56}
